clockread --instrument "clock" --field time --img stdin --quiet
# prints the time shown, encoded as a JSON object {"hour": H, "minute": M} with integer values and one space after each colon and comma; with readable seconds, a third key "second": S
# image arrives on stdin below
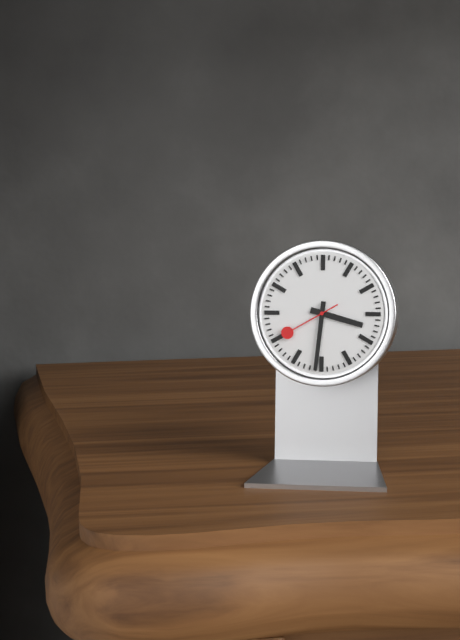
{"hour": 3, "minute": 31, "second": 40}
